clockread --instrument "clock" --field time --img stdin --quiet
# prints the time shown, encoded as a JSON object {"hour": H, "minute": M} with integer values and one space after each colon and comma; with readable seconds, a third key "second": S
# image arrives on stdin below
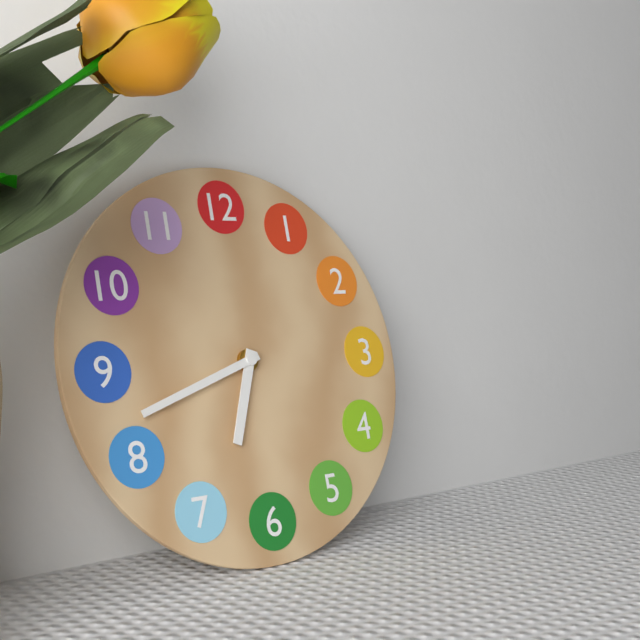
{"hour": 6, "minute": 42}
